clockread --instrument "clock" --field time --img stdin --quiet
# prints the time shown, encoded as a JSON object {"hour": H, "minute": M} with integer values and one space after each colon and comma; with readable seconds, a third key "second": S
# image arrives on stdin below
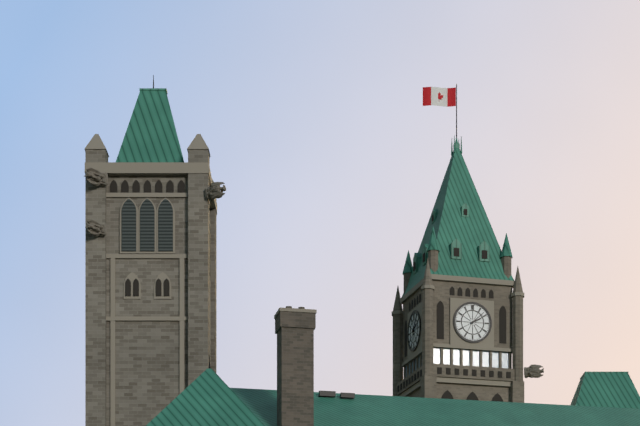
{"hour": 2, "minute": 8}
